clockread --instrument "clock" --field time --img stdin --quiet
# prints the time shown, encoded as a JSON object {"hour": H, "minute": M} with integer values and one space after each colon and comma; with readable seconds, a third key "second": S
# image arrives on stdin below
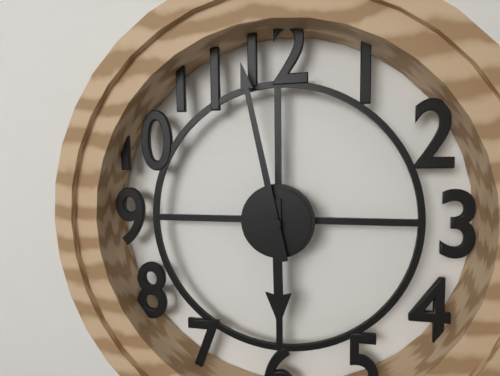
{"hour": 5, "minute": 58}
